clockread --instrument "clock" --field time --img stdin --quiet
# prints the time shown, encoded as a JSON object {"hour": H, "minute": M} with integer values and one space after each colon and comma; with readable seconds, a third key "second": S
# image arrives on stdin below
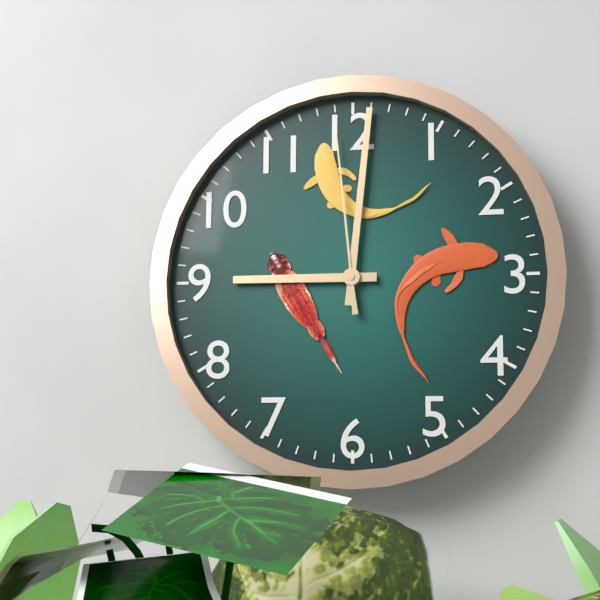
{"hour": 9, "minute": 1, "second": 59}
